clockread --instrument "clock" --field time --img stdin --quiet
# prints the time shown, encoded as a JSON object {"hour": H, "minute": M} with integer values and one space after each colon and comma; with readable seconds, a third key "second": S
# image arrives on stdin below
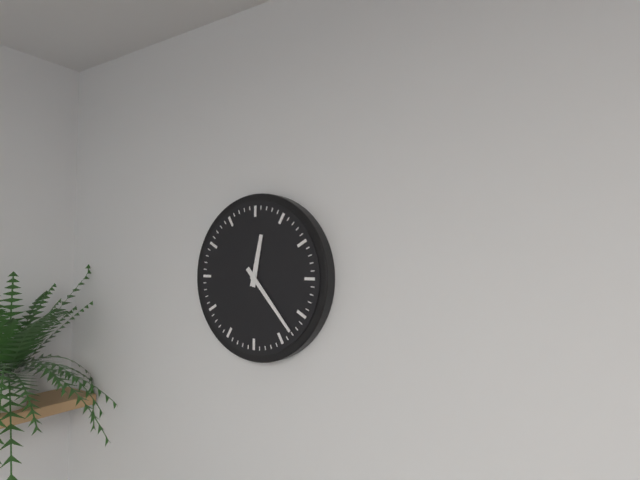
{"hour": 12, "minute": 23}
